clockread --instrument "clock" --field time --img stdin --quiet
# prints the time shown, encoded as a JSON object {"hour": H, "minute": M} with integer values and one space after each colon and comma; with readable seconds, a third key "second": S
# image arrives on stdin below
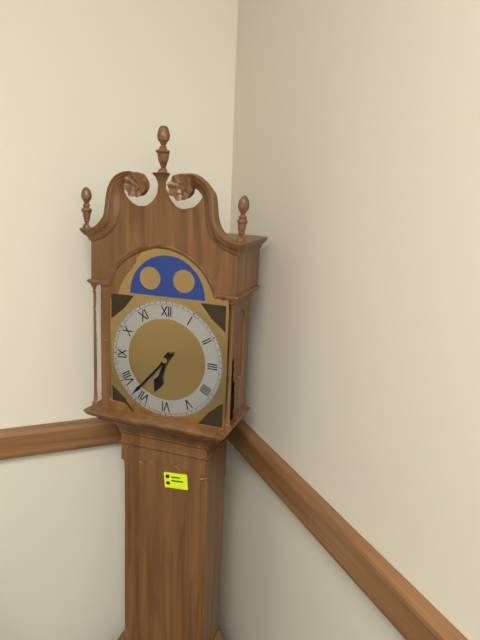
{"hour": 6, "minute": 37}
